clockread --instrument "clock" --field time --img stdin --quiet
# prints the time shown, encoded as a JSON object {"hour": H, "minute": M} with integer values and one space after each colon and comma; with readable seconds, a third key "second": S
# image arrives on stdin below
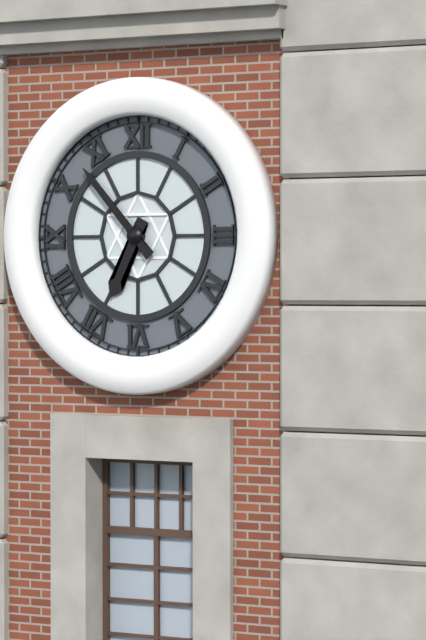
{"hour": 6, "minute": 53}
